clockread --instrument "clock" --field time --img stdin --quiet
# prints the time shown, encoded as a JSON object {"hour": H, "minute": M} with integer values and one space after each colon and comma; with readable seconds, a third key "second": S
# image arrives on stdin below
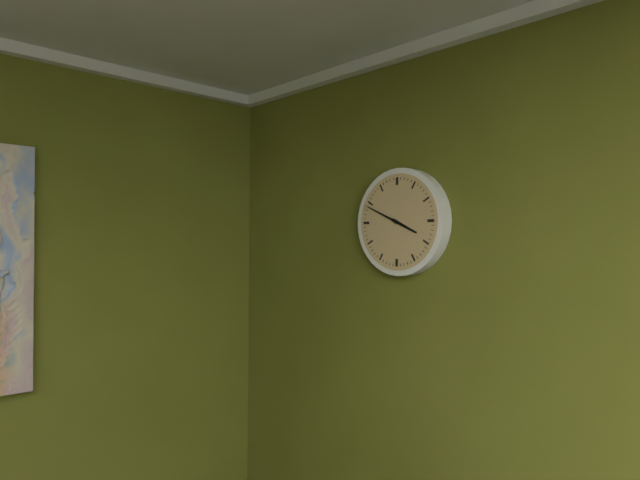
{"hour": 3, "minute": 49}
